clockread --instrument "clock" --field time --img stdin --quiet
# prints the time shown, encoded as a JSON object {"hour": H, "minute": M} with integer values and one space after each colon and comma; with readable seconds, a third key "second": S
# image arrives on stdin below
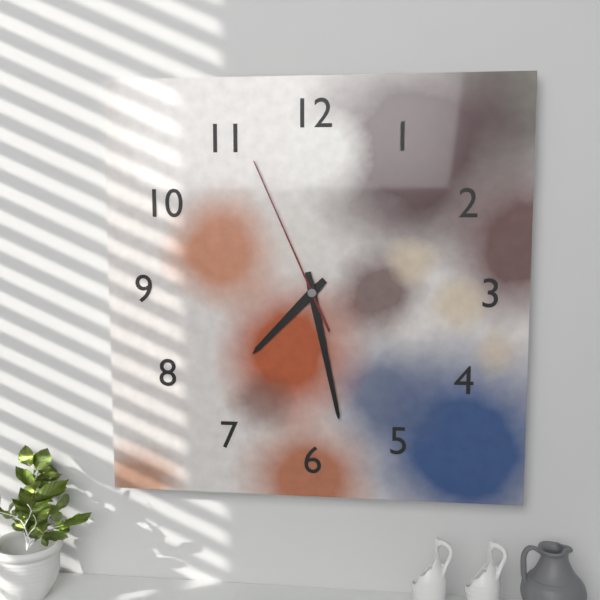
{"hour": 7, "minute": 28, "second": 56}
